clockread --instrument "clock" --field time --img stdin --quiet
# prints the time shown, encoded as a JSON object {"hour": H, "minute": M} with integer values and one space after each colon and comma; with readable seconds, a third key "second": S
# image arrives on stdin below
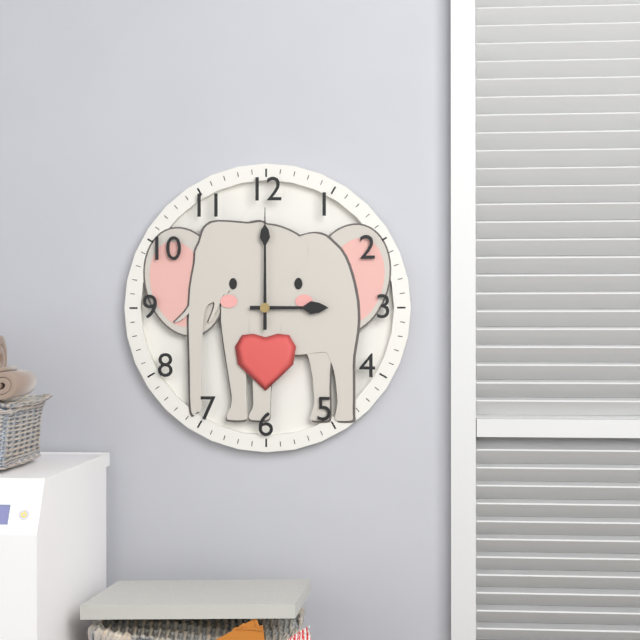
{"hour": 3, "minute": 0}
